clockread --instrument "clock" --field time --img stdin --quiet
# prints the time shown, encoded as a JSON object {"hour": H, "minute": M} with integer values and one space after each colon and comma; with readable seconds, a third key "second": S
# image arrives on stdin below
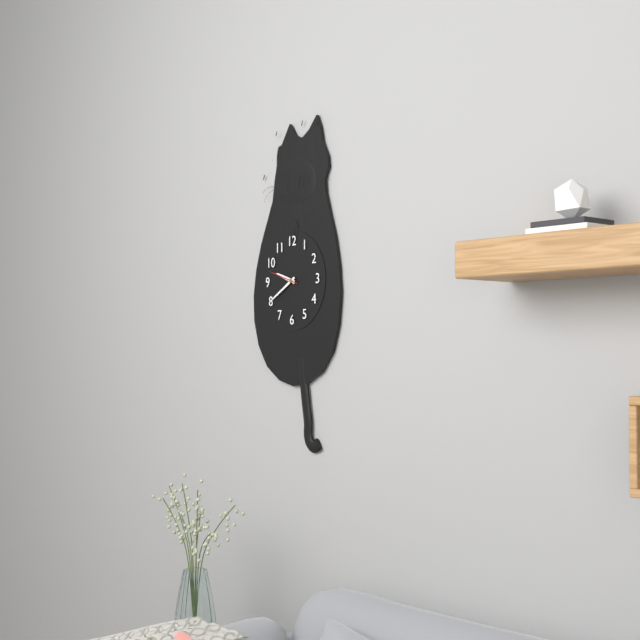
{"hour": 9, "minute": 40}
